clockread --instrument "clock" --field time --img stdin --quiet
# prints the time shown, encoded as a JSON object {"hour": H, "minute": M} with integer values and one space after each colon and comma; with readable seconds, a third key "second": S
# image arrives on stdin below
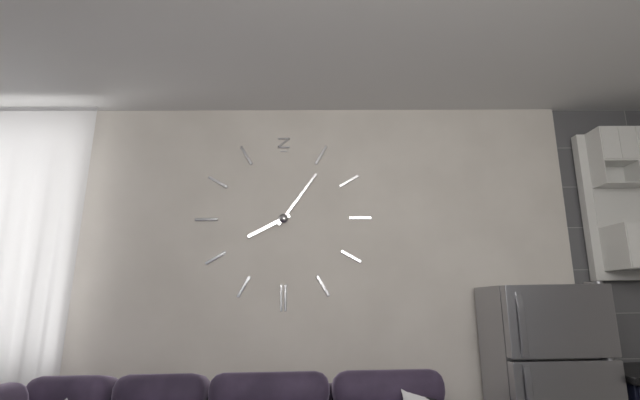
{"hour": 8, "minute": 6}
